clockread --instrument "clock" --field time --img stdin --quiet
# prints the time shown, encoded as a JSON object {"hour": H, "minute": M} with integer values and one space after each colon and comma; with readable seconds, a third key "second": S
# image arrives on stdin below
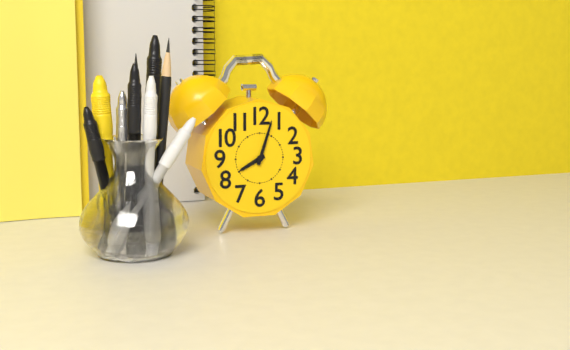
{"hour": 8, "minute": 3}
